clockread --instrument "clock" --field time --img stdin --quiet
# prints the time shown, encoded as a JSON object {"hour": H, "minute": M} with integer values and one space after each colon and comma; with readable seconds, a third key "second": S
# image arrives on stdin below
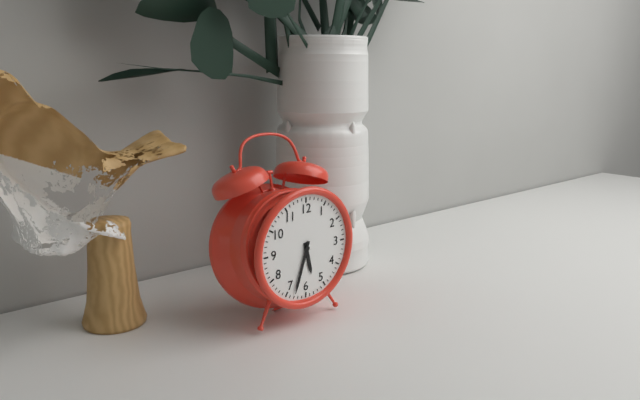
{"hour": 5, "minute": 33}
